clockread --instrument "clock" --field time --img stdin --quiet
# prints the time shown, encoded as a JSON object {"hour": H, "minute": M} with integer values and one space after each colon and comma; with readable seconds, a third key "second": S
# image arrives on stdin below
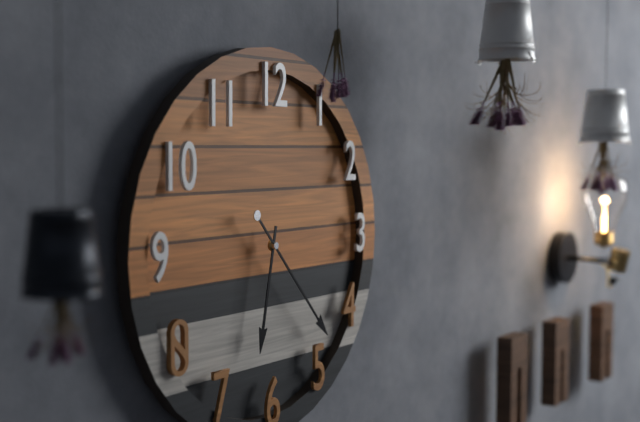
{"hour": 6, "minute": 23}
